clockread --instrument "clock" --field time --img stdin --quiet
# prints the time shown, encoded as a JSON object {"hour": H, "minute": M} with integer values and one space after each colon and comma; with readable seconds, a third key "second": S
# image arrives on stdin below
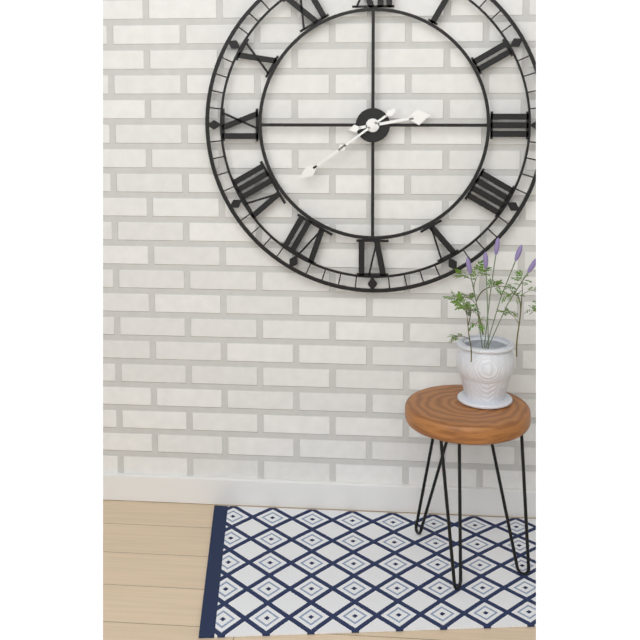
{"hour": 2, "minute": 39}
